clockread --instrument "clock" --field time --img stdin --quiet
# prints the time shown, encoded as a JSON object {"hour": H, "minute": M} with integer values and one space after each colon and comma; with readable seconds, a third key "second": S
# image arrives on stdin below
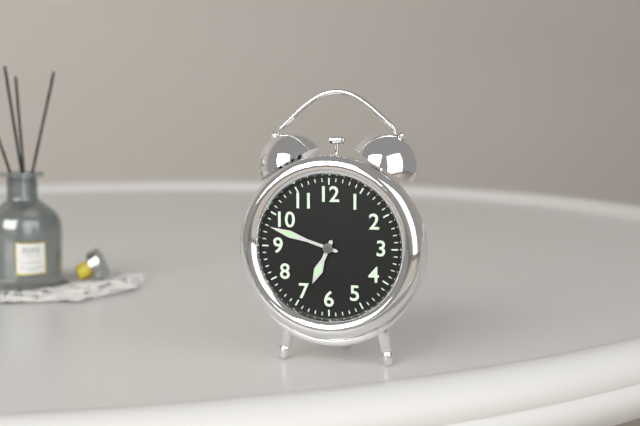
{"hour": 6, "minute": 48}
